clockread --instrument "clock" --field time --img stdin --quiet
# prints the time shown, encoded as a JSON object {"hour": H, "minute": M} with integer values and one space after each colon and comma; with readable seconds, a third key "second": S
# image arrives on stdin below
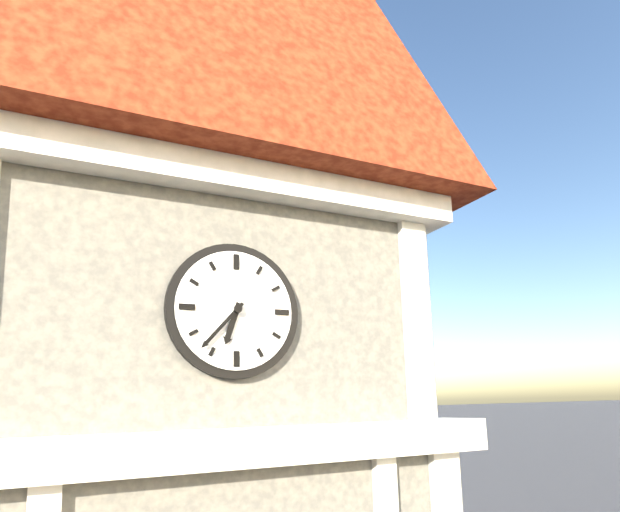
{"hour": 6, "minute": 37}
